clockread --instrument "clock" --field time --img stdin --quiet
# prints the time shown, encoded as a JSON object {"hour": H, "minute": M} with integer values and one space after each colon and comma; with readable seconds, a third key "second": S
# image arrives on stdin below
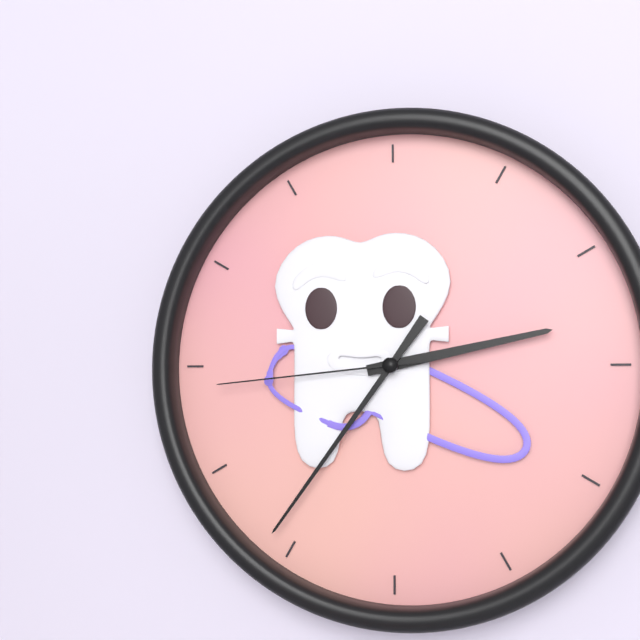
{"hour": 2, "minute": 36, "second": 44}
